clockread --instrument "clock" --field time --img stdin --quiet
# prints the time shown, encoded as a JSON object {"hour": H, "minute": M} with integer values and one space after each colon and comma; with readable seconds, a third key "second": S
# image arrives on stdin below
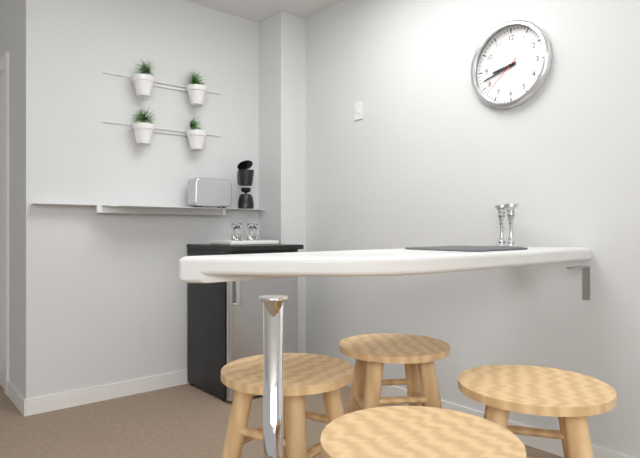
{"hour": 8, "minute": 42}
